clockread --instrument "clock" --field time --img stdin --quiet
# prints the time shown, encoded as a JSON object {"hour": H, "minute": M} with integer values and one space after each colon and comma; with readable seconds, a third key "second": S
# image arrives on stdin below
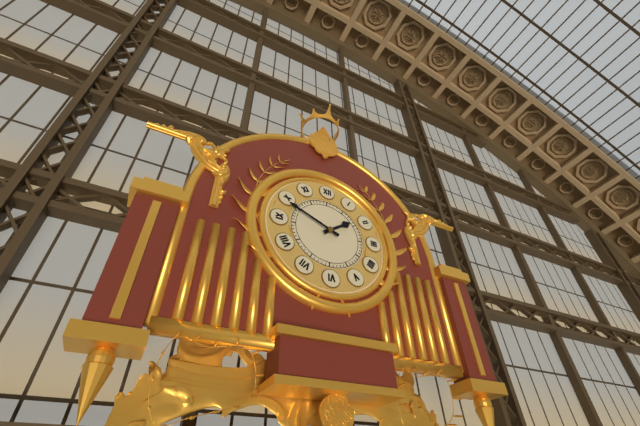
{"hour": 1, "minute": 49}
